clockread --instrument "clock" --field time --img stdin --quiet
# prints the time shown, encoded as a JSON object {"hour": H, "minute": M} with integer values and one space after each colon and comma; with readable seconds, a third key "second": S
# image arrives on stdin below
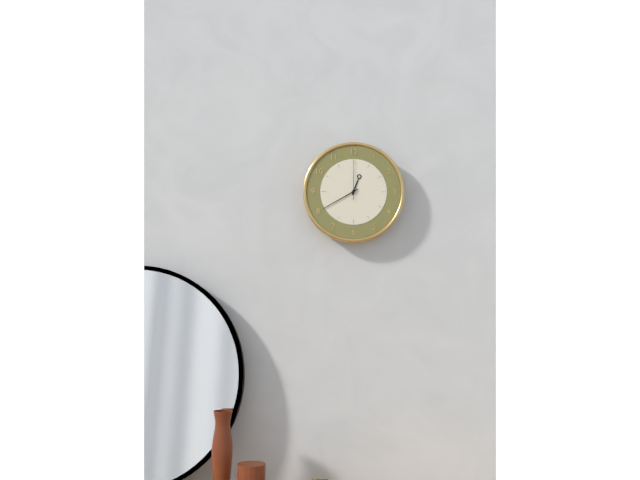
{"hour": 12, "minute": 40}
